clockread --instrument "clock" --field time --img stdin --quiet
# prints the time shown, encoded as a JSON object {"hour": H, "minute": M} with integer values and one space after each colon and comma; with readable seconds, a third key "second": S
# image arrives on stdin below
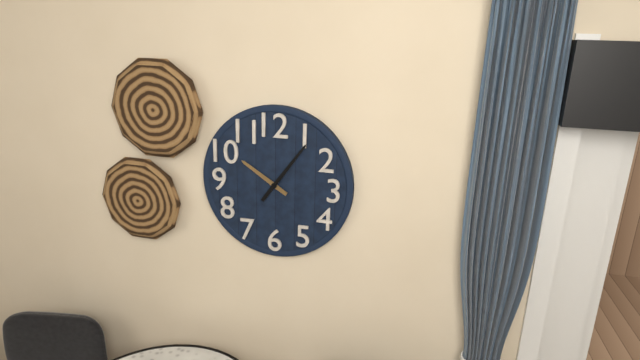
{"hour": 10, "minute": 6}
